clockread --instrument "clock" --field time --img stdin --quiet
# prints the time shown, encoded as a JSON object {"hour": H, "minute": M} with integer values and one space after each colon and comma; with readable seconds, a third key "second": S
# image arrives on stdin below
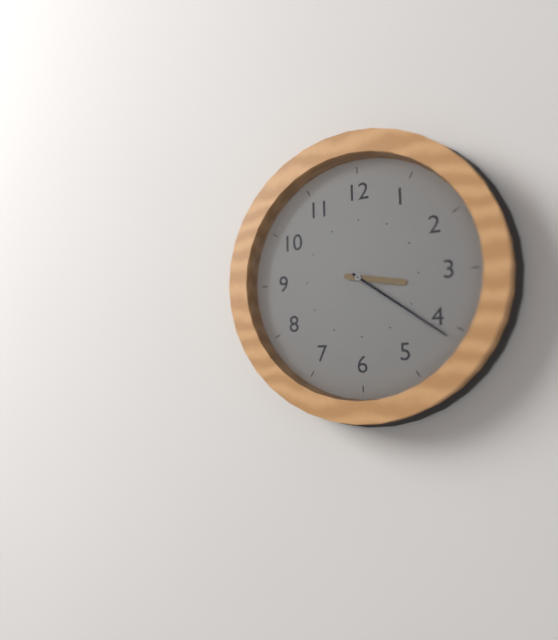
{"hour": 3, "minute": 21}
